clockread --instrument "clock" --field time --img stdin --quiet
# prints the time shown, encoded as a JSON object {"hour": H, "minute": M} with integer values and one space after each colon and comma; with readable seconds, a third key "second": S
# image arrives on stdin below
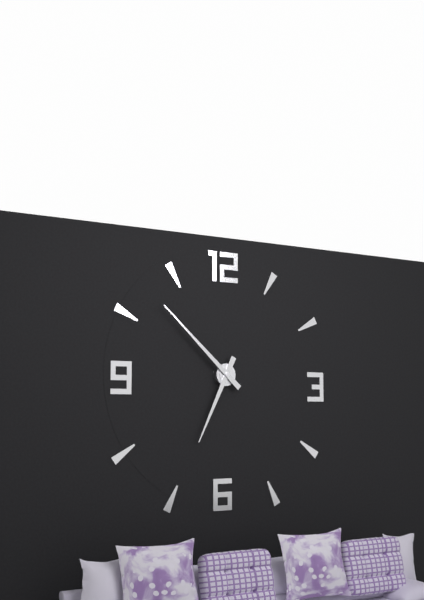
{"hour": 6, "minute": 52}
